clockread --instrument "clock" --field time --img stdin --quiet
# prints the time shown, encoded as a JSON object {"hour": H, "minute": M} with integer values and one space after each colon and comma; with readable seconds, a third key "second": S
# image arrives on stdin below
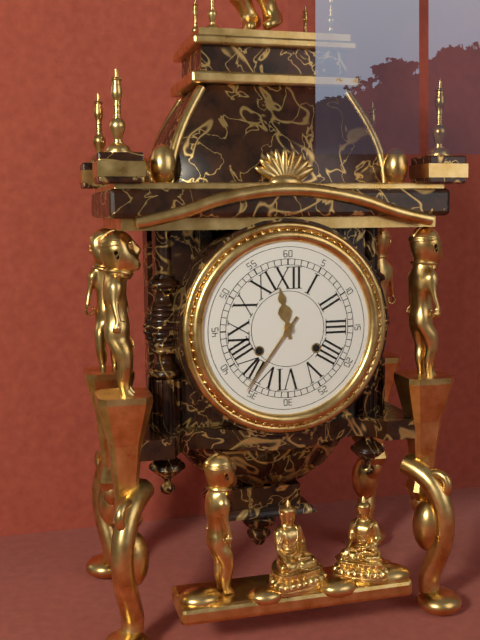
{"hour": 11, "minute": 36}
